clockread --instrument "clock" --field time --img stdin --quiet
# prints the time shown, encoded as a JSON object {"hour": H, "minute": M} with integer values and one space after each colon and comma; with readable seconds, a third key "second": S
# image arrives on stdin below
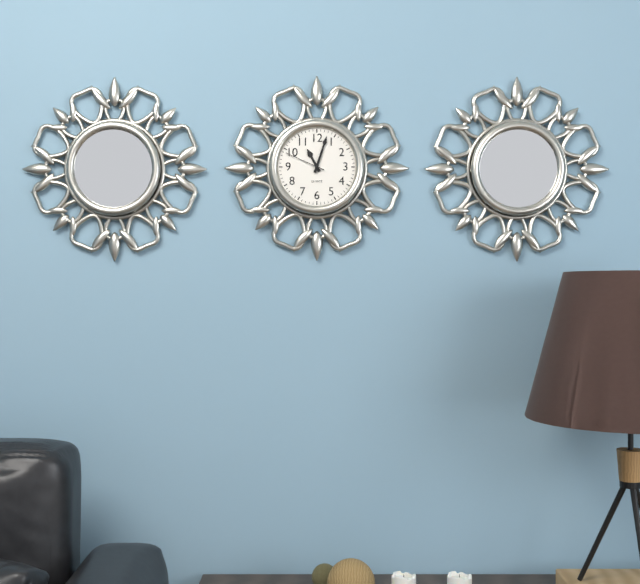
{"hour": 11, "minute": 3}
